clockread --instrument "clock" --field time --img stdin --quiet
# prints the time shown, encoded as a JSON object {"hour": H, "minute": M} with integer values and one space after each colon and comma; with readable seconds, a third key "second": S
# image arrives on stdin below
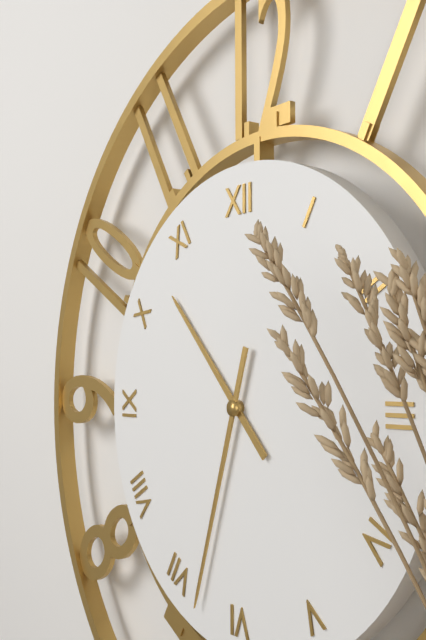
{"hour": 10, "minute": 33}
